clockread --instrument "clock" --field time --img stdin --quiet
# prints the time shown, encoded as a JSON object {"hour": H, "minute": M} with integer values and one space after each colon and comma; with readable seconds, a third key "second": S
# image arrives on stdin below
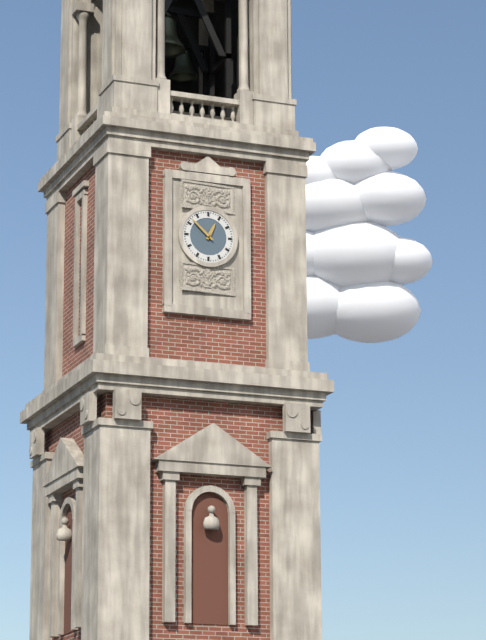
{"hour": 12, "minute": 52}
